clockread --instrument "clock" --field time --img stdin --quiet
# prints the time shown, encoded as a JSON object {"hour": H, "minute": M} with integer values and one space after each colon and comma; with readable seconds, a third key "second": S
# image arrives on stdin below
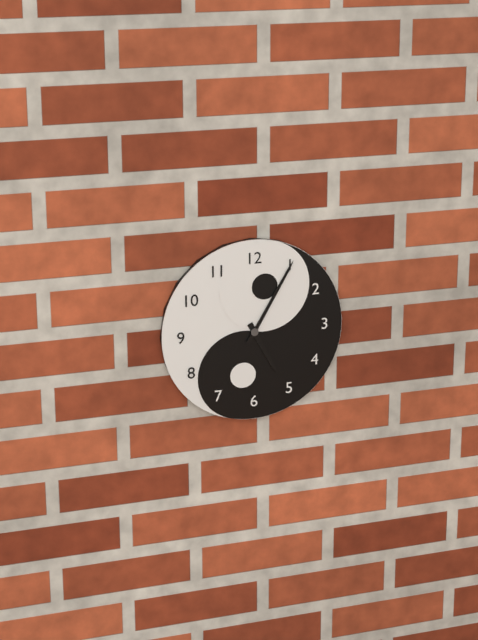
{"hour": 5, "minute": 5}
